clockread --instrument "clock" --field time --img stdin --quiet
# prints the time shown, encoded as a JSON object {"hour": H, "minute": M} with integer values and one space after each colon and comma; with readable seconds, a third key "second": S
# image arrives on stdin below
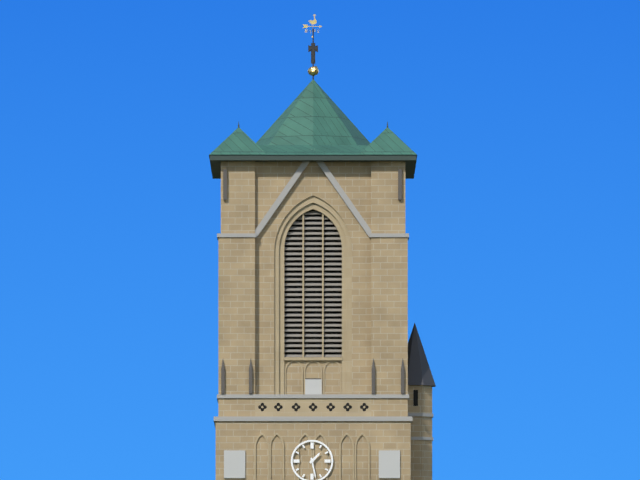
{"hour": 1, "minute": 28}
